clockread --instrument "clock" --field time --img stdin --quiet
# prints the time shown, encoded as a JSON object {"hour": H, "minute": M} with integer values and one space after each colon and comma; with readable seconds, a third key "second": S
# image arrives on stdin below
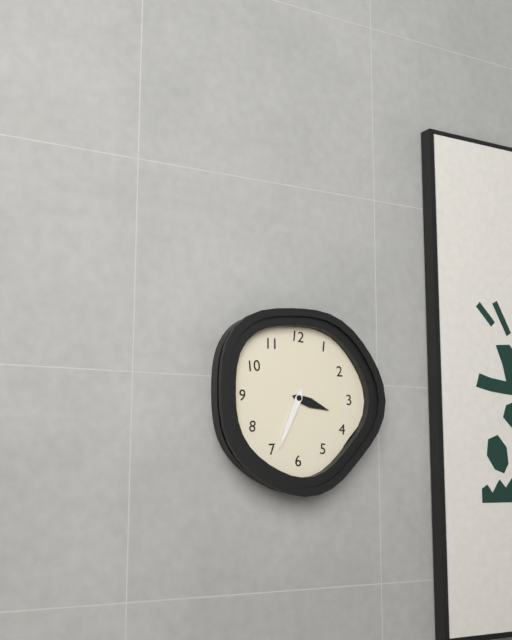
{"hour": 3, "minute": 34}
